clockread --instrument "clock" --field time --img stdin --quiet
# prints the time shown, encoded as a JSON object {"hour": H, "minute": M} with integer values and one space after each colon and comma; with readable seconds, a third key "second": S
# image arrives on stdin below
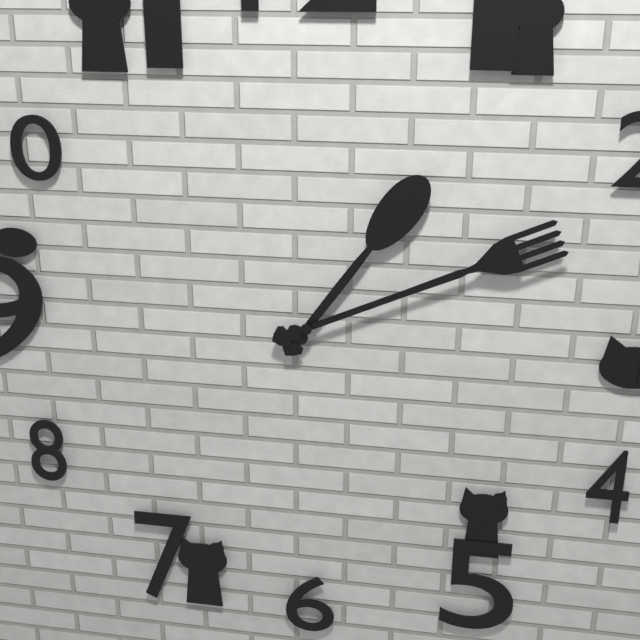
{"hour": 1, "minute": 11}
